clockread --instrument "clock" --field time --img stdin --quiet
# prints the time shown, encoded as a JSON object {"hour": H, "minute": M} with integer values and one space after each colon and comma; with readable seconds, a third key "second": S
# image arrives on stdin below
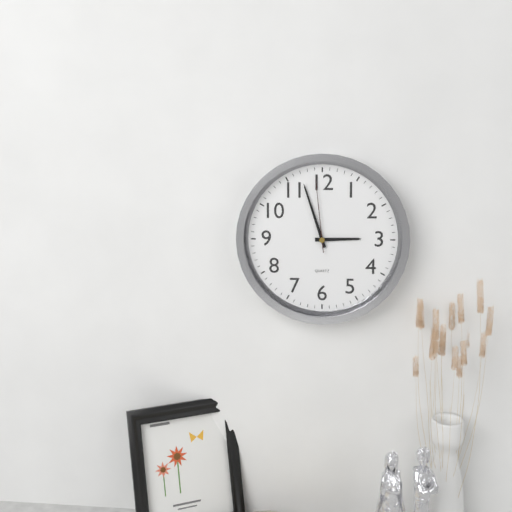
{"hour": 2, "minute": 57, "second": 59}
